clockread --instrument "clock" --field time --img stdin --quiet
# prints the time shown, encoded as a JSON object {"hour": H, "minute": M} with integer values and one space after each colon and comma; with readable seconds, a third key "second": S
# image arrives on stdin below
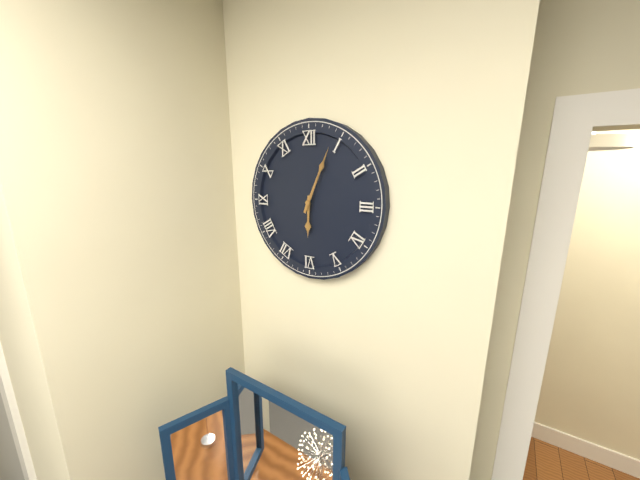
{"hour": 6, "minute": 4}
